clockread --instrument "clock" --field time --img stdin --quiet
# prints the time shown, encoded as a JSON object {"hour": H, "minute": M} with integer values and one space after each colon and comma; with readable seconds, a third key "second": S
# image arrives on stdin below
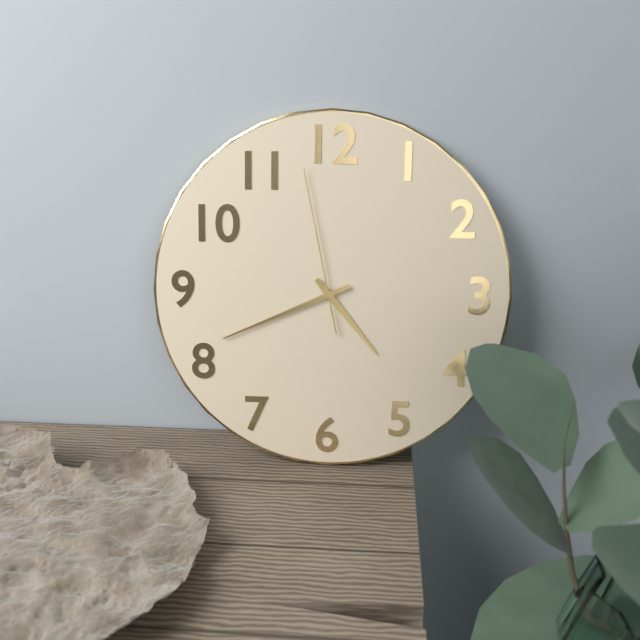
{"hour": 4, "minute": 41, "second": 58}
